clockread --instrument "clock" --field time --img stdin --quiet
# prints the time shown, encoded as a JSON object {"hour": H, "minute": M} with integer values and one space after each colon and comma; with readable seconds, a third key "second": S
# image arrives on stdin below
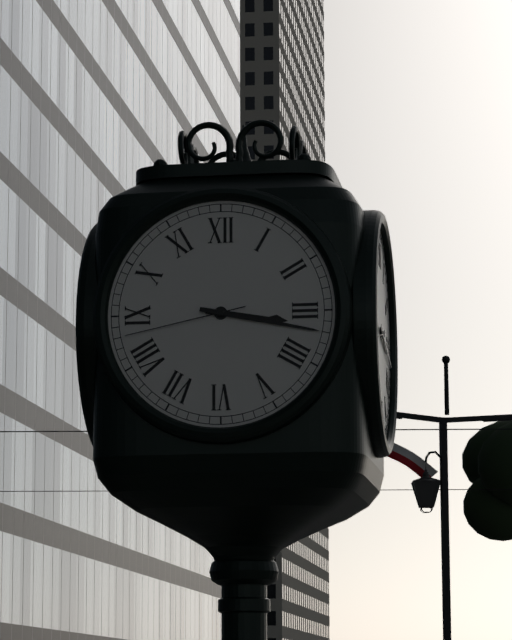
{"hour": 3, "minute": 17, "second": 43}
